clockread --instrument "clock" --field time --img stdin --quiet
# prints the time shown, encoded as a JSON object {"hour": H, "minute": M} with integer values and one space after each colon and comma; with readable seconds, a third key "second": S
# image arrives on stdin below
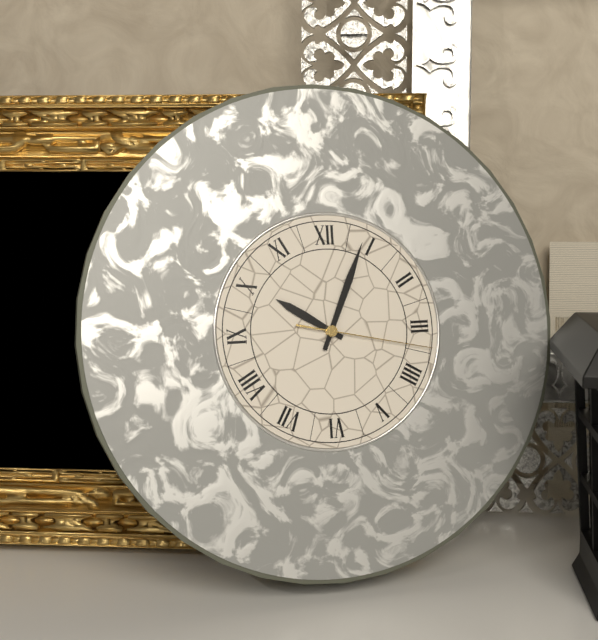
{"hour": 10, "minute": 4, "second": 17}
